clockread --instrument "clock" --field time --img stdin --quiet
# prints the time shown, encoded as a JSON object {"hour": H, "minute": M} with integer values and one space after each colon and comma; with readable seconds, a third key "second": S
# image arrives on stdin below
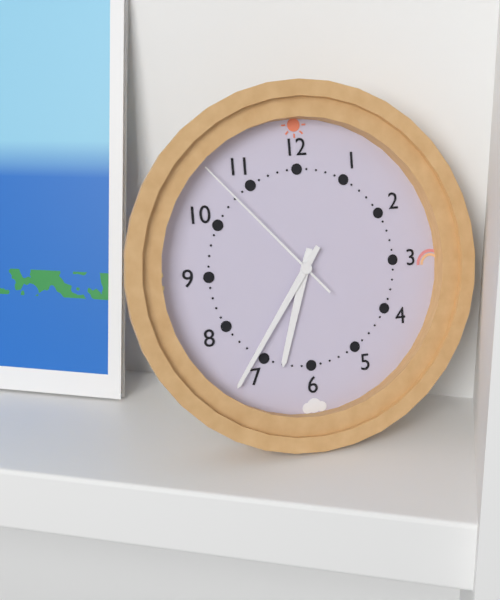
{"hour": 6, "minute": 36, "second": 53}
